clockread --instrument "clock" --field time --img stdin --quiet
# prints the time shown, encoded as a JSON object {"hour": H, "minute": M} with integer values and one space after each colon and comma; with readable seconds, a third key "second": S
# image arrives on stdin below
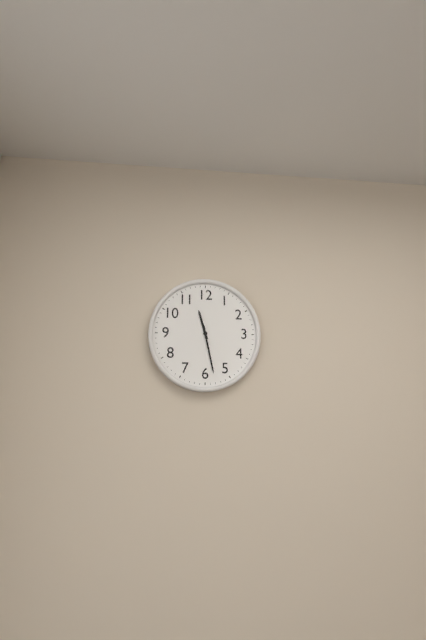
{"hour": 11, "minute": 28}
